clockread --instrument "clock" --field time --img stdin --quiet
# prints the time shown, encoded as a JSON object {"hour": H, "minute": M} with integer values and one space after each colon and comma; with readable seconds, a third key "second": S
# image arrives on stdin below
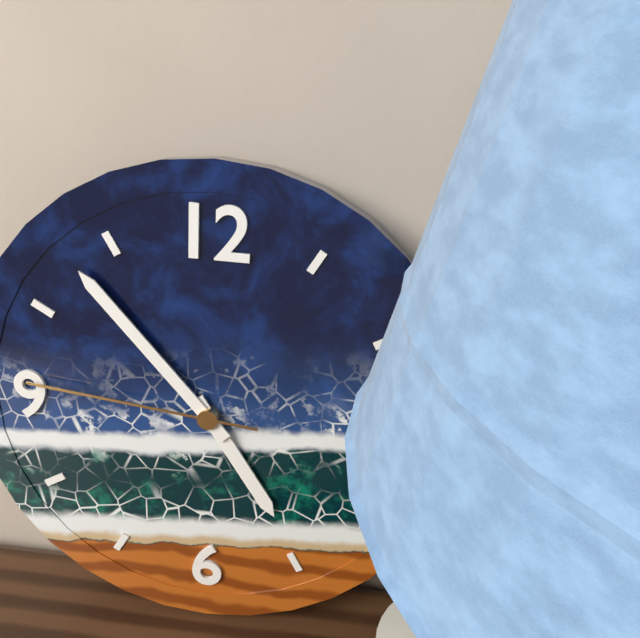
{"hour": 4, "minute": 53, "second": 46}
